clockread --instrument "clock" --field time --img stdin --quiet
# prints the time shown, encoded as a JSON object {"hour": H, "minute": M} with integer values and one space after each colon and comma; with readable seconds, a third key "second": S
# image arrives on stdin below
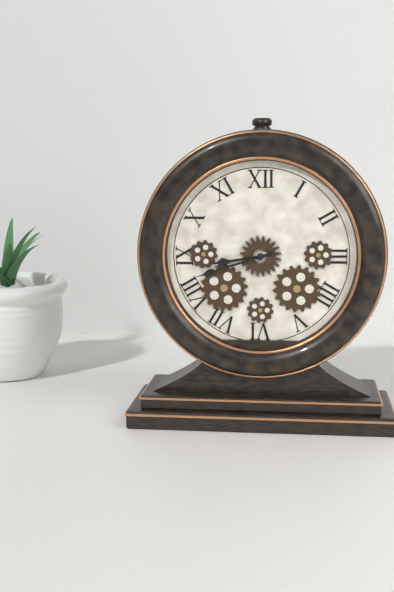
{"hour": 8, "minute": 42}
